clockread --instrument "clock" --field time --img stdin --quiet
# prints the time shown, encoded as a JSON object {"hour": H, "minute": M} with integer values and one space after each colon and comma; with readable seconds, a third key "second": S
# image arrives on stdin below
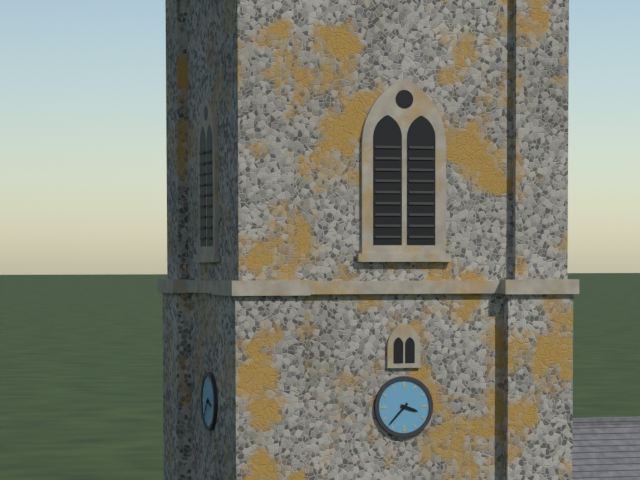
{"hour": 3, "minute": 37}
